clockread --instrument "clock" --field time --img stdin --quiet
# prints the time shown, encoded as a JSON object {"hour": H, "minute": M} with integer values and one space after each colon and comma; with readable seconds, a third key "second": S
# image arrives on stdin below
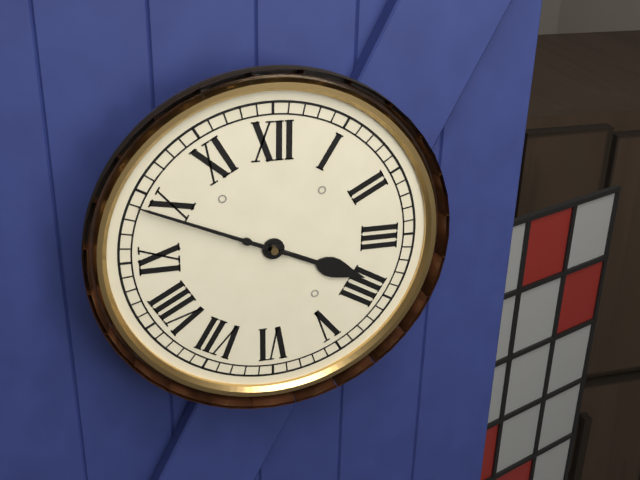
{"hour": 3, "minute": 49}
